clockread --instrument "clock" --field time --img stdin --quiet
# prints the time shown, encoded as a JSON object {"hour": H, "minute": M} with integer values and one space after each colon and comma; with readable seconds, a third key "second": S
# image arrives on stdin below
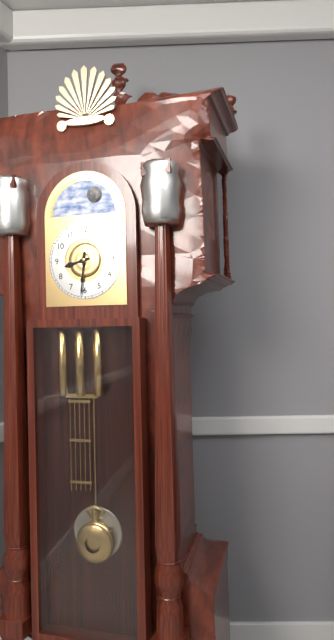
{"hour": 8, "minute": 31}
